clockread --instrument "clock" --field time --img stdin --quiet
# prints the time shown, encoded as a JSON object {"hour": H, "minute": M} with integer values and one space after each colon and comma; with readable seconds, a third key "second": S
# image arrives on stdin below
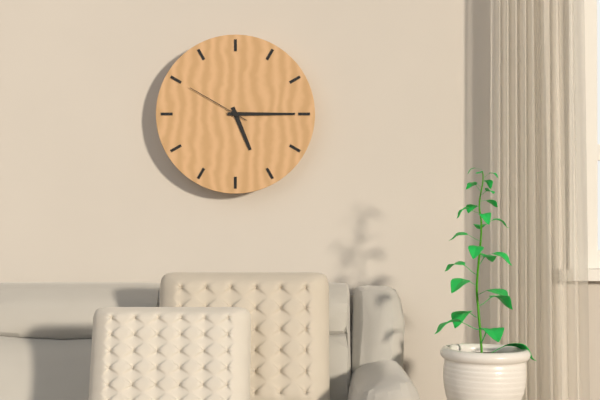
{"hour": 5, "minute": 15, "second": 50}
